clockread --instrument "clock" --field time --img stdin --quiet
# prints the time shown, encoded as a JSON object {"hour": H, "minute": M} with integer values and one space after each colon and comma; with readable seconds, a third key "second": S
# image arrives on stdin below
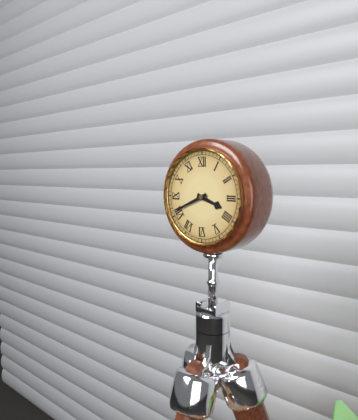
{"hour": 3, "minute": 41}
